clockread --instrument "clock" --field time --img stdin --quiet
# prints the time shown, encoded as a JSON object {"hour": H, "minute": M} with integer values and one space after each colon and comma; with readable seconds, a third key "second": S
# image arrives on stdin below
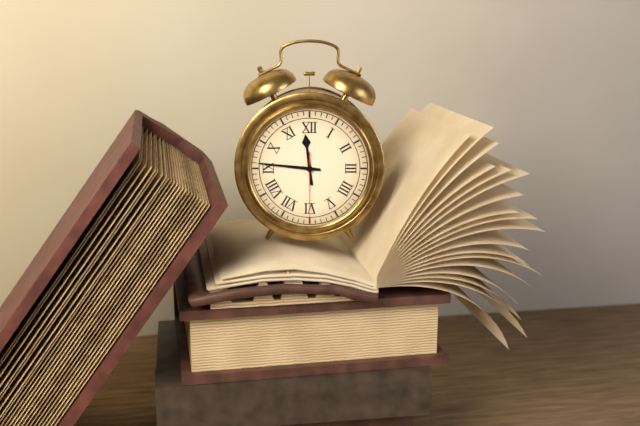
{"hour": 11, "minute": 46, "second": 30}
